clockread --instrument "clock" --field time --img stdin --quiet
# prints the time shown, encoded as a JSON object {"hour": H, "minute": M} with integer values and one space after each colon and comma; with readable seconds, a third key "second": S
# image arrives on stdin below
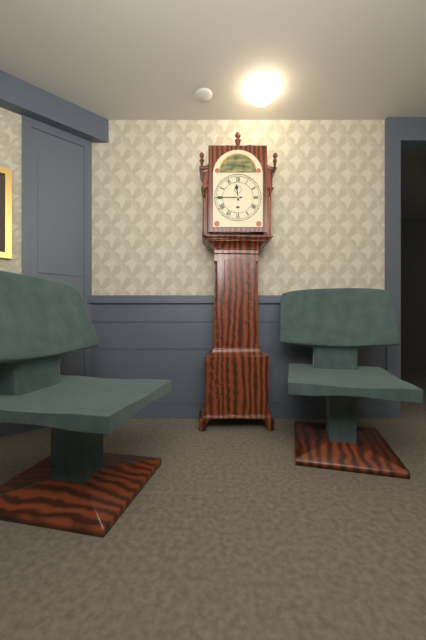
{"hour": 11, "minute": 45}
